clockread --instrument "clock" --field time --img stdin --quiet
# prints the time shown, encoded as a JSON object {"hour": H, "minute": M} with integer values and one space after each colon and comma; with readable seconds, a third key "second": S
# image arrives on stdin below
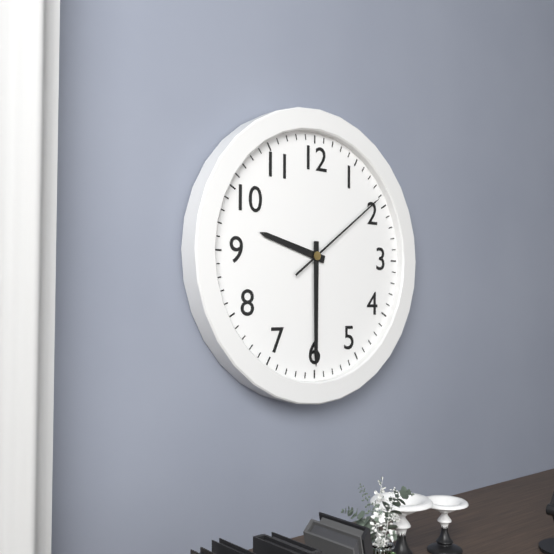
{"hour": 9, "minute": 30, "second": 9}
